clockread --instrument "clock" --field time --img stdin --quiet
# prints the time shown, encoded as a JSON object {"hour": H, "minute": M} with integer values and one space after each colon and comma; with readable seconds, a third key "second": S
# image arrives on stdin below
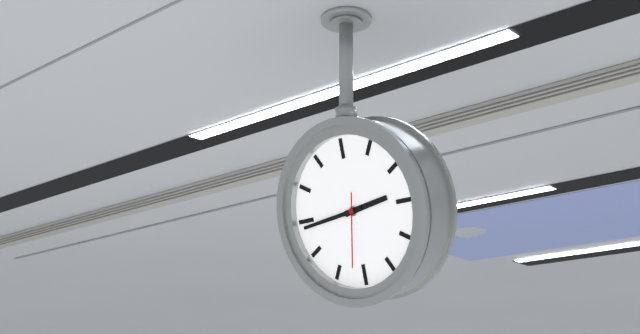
{"hour": 2, "minute": 44, "second": 32}
